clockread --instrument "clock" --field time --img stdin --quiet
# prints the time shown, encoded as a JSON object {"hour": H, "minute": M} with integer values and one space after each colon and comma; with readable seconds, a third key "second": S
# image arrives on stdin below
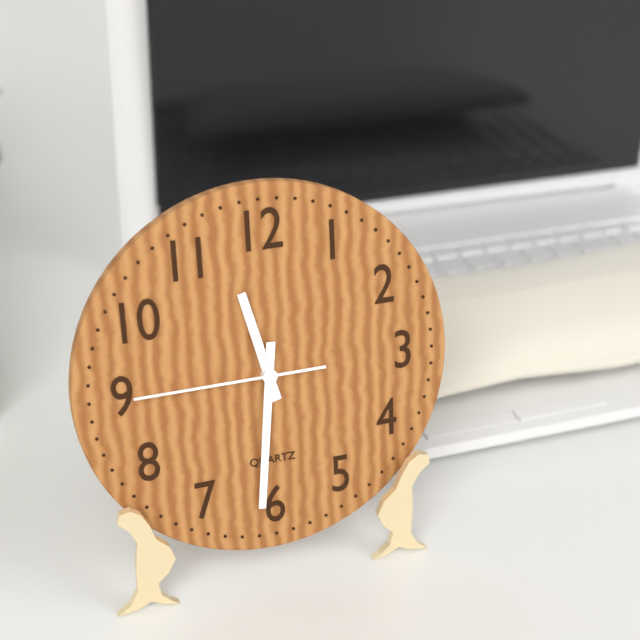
{"hour": 11, "minute": 31, "second": 45}
